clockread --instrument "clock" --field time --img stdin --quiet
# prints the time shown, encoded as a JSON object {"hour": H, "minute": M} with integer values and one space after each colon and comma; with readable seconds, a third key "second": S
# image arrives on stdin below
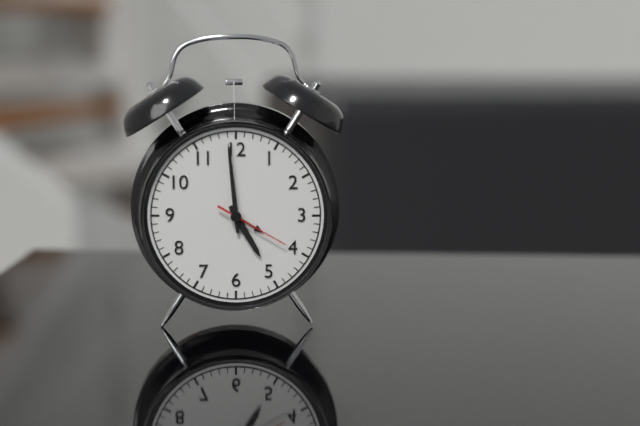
{"hour": 4, "minute": 59, "second": 20}
